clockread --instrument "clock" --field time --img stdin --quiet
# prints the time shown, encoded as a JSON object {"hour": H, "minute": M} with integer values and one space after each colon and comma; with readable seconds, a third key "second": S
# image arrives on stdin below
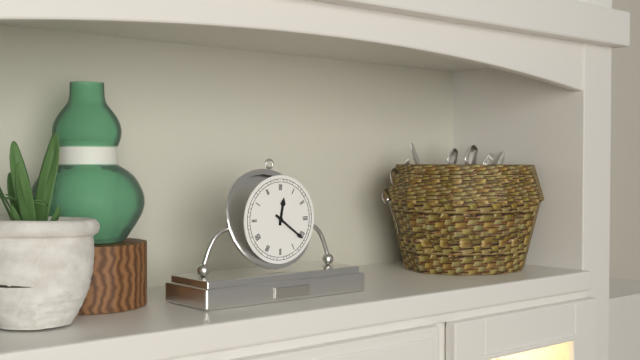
{"hour": 12, "minute": 21}
